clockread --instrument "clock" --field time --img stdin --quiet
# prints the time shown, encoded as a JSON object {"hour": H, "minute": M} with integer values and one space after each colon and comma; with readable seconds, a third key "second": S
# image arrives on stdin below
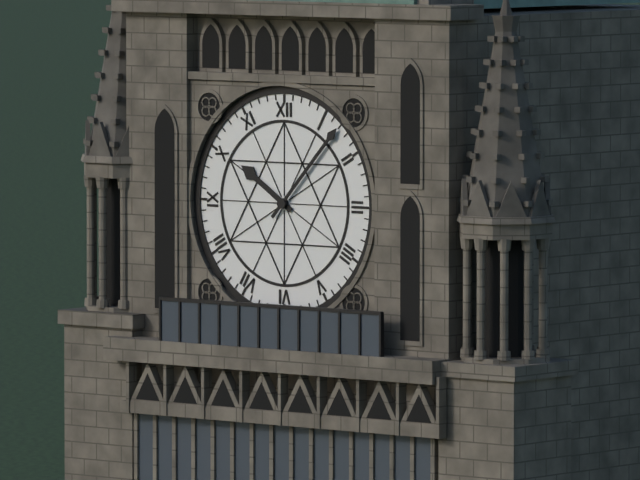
{"hour": 10, "minute": 7}
